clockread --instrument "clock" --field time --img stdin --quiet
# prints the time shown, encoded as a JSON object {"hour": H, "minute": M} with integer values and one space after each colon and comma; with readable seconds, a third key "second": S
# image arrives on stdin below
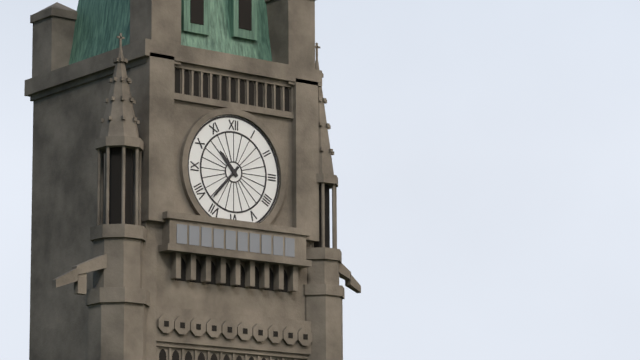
{"hour": 10, "minute": 37}
